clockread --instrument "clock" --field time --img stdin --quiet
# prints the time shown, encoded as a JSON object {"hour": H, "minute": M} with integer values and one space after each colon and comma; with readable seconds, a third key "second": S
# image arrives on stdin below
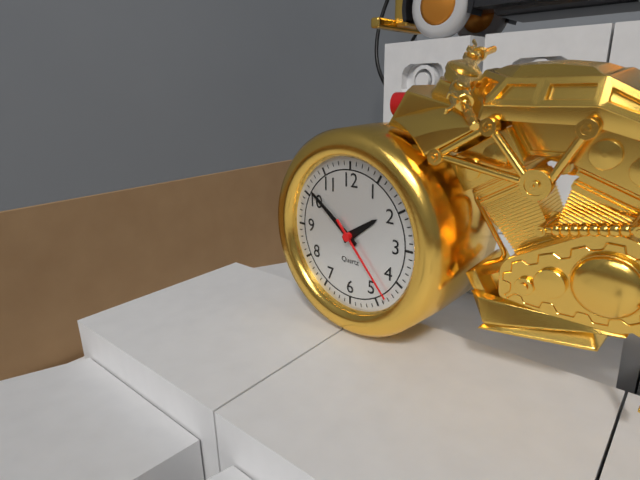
{"hour": 1, "minute": 51, "second": 23}
